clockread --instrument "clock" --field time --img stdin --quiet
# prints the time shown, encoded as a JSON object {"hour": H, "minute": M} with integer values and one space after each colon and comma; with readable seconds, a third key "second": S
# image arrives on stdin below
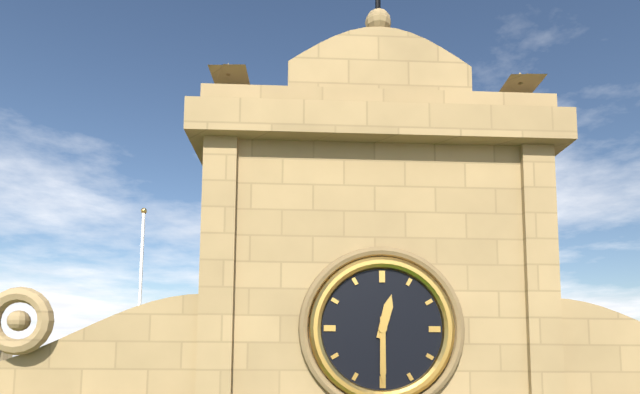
{"hour": 12, "minute": 30}
